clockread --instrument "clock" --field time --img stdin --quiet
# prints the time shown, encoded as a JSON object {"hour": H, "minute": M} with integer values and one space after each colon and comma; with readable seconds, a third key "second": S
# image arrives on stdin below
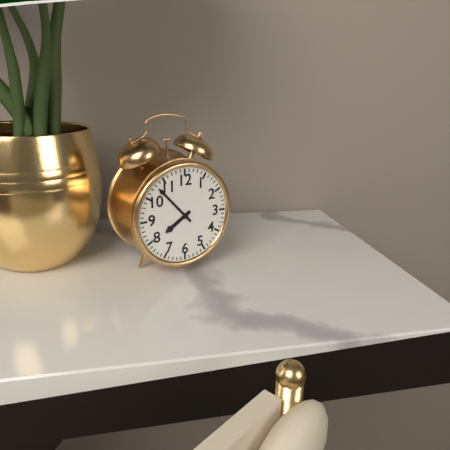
{"hour": 7, "minute": 53}
